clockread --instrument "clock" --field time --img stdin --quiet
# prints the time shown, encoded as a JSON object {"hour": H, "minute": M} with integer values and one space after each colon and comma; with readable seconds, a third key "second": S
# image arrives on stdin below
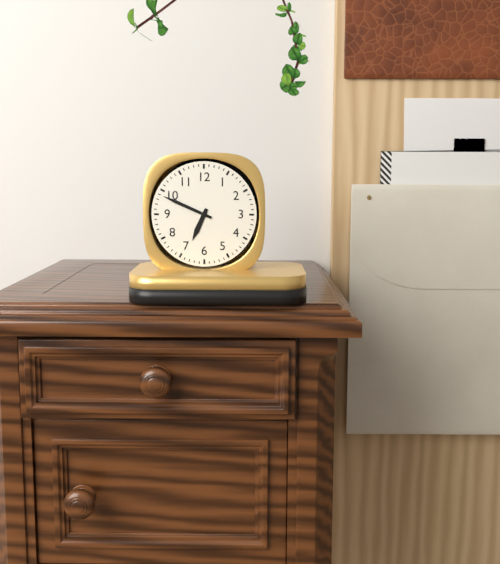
{"hour": 6, "minute": 49}
